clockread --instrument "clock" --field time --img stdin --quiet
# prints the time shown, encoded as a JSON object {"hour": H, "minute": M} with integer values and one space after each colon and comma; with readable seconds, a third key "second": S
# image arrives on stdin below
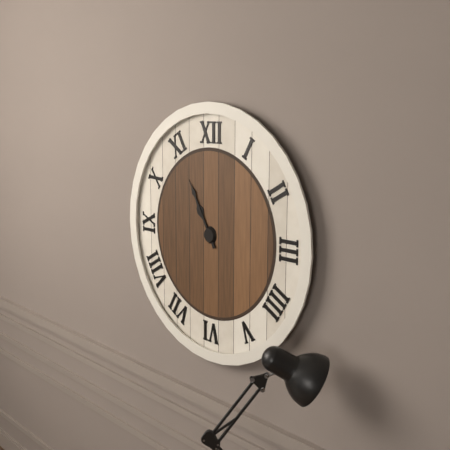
{"hour": 10, "minute": 55}
